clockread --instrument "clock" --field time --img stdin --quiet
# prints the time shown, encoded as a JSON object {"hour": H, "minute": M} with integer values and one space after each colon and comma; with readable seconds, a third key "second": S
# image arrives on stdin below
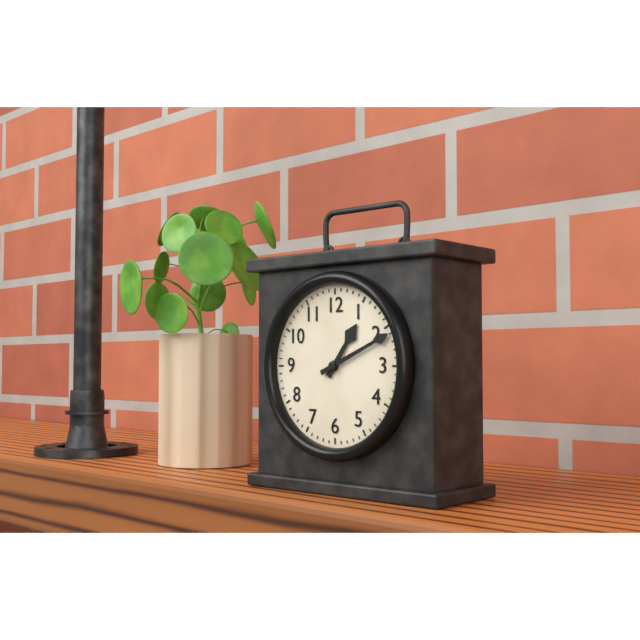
{"hour": 1, "minute": 11}
